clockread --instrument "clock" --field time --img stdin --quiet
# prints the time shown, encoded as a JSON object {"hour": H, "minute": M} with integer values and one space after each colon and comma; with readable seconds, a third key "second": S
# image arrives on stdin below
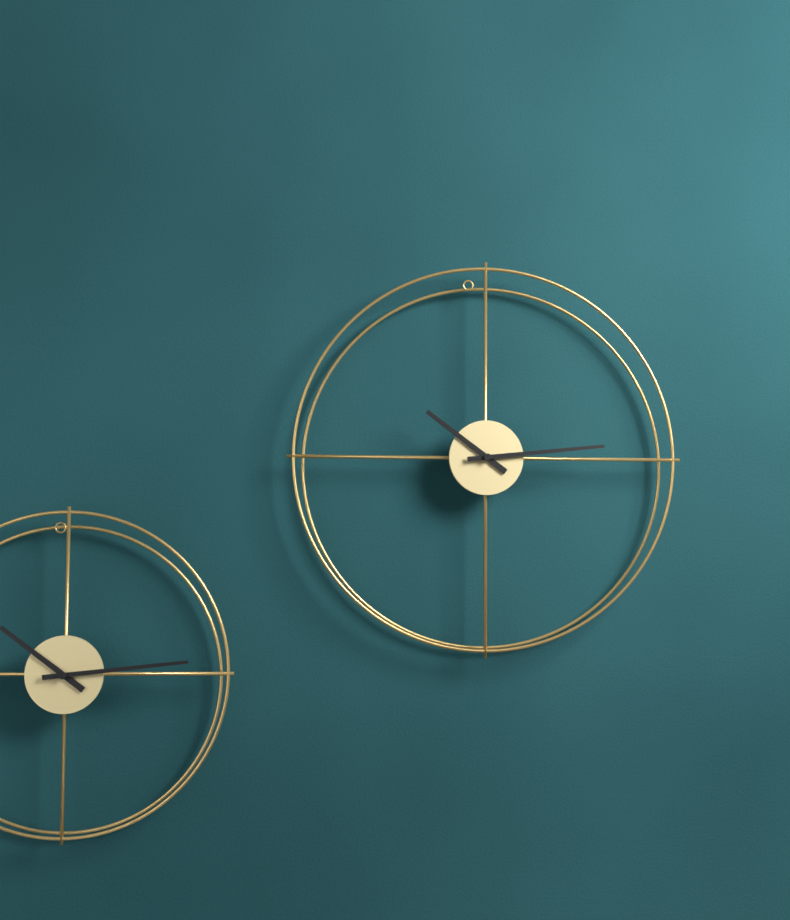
{"hour": 10, "minute": 14}
